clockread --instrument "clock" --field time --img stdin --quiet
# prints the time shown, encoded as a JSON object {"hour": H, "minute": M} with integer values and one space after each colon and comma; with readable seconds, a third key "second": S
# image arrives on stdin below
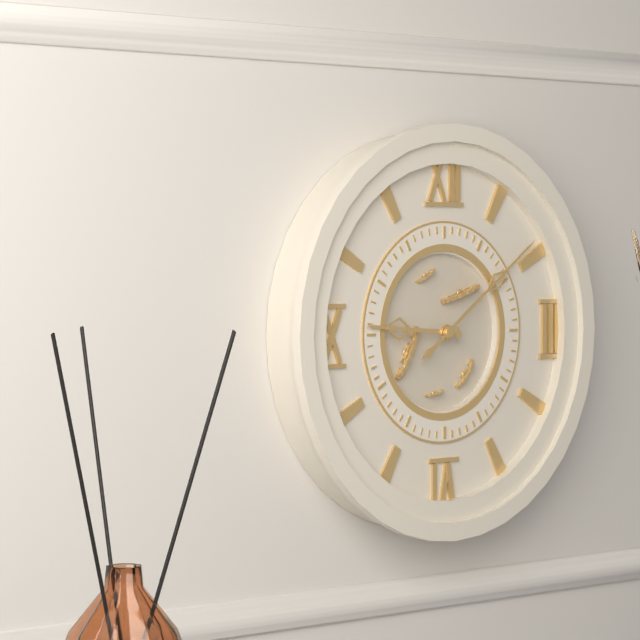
{"hour": 9, "minute": 9}
